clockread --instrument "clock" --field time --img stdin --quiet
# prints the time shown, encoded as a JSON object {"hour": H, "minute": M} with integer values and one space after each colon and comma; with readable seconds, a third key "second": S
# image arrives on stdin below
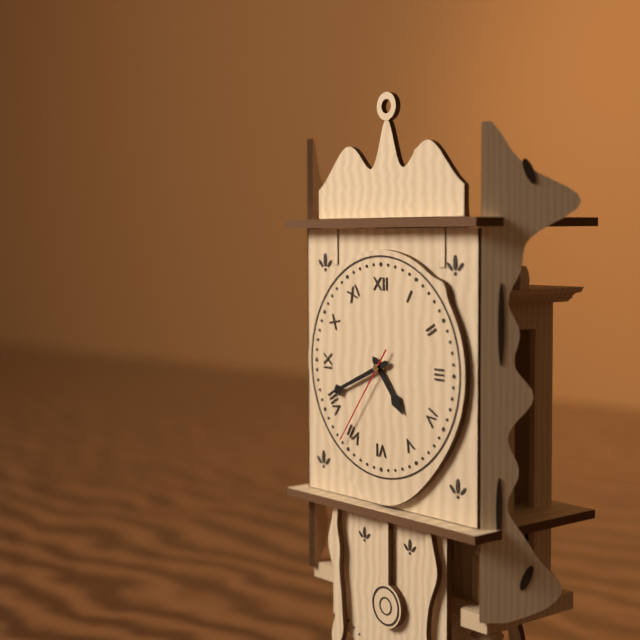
{"hour": 4, "minute": 41, "second": 36}
